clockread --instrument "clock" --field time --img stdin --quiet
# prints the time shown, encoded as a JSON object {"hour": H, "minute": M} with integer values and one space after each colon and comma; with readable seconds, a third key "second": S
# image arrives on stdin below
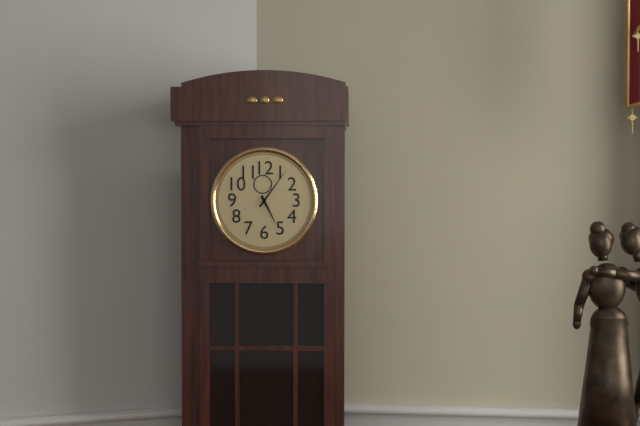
{"hour": 5, "minute": 6}
